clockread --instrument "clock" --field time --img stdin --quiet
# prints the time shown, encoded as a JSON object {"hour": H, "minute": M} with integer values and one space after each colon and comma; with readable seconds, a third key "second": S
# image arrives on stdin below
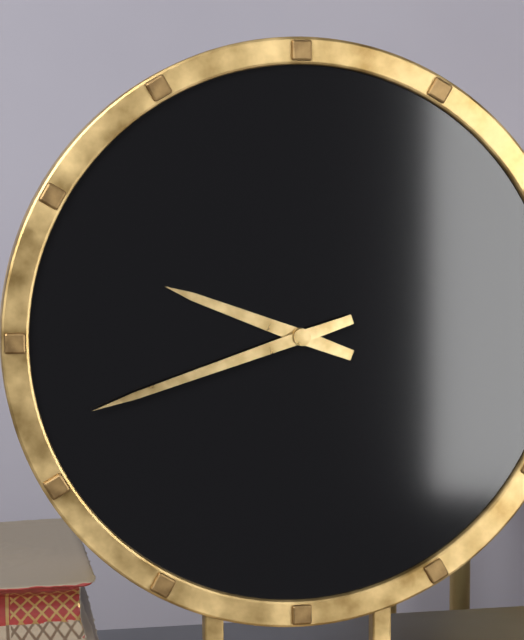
{"hour": 9, "minute": 42}
